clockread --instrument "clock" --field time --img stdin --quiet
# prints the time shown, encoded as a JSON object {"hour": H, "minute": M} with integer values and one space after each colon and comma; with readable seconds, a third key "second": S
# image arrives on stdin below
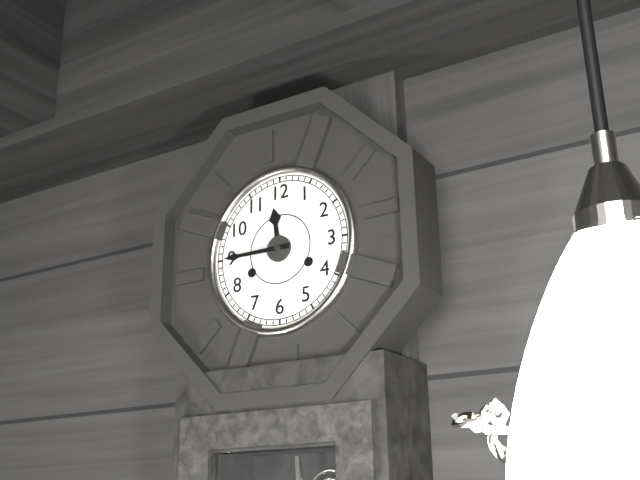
{"hour": 11, "minute": 45}
